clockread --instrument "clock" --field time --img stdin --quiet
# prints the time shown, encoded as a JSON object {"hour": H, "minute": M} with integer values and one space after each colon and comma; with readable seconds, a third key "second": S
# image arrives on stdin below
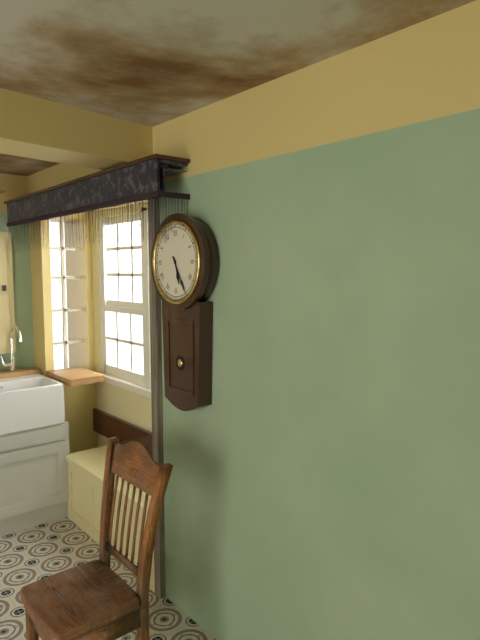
{"hour": 5, "minute": 25}
